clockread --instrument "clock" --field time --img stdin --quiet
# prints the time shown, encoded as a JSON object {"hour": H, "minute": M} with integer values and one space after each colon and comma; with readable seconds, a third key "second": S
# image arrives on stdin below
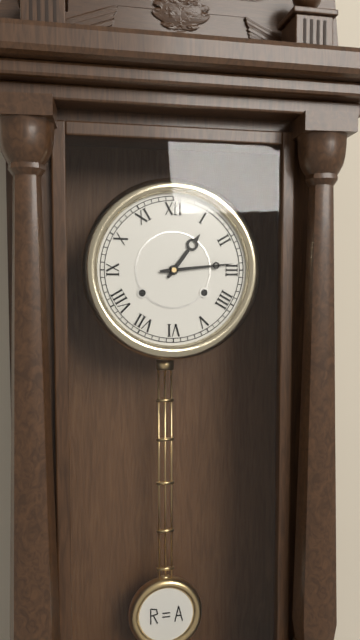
{"hour": 1, "minute": 14}
